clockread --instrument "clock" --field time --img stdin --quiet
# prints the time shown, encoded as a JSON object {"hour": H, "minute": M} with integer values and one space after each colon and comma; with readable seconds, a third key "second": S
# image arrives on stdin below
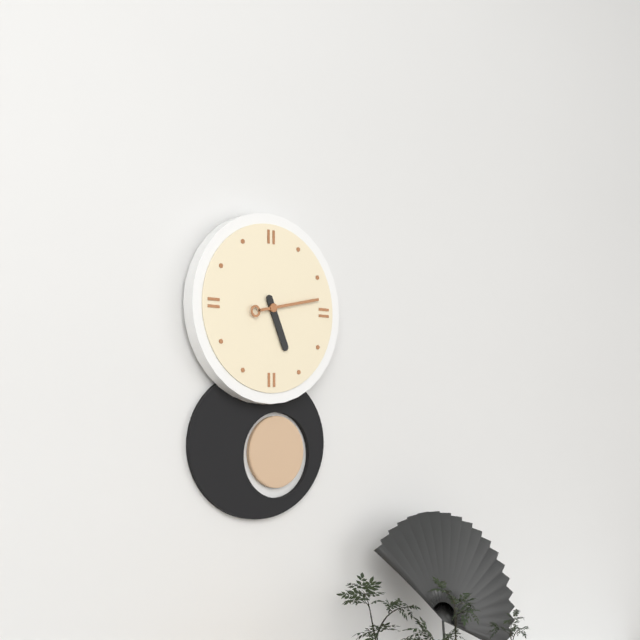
{"hour": 5, "minute": 13}
